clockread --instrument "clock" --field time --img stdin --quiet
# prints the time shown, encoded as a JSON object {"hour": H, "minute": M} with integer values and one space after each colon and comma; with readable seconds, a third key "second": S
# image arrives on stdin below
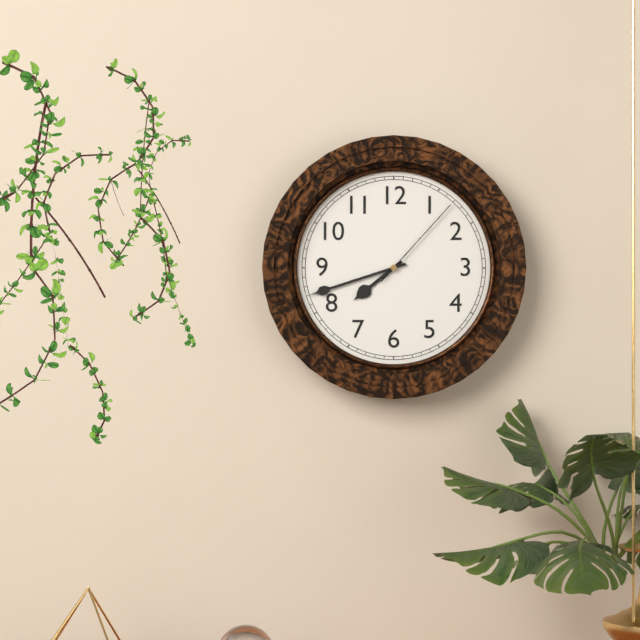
{"hour": 7, "minute": 42, "second": 7}
